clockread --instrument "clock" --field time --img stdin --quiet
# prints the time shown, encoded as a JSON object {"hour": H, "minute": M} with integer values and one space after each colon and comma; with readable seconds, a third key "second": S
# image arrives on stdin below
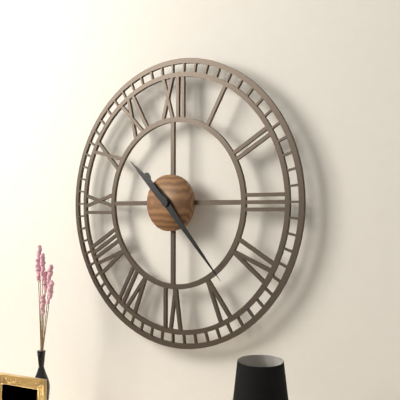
{"hour": 10, "minute": 23}
